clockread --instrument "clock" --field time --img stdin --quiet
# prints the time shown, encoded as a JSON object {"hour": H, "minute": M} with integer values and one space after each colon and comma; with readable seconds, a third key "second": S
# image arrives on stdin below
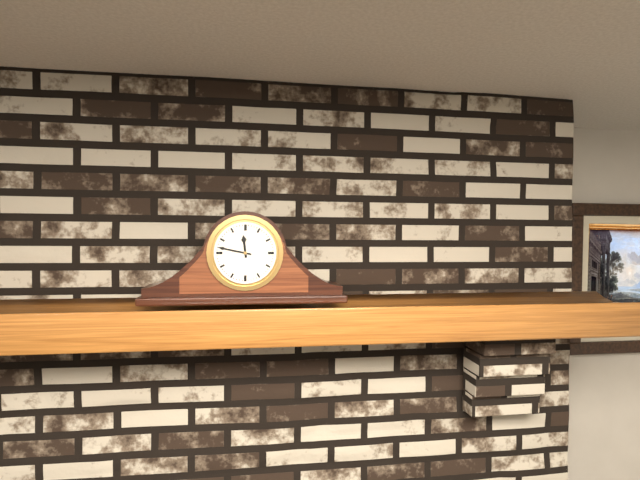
{"hour": 11, "minute": 47}
